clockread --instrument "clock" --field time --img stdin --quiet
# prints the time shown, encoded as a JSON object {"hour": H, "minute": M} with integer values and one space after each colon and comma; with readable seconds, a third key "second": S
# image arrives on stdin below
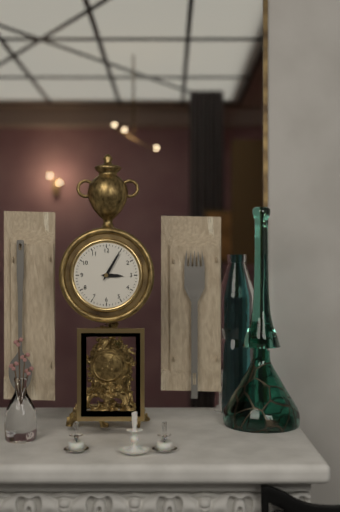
{"hour": 3, "minute": 5}
